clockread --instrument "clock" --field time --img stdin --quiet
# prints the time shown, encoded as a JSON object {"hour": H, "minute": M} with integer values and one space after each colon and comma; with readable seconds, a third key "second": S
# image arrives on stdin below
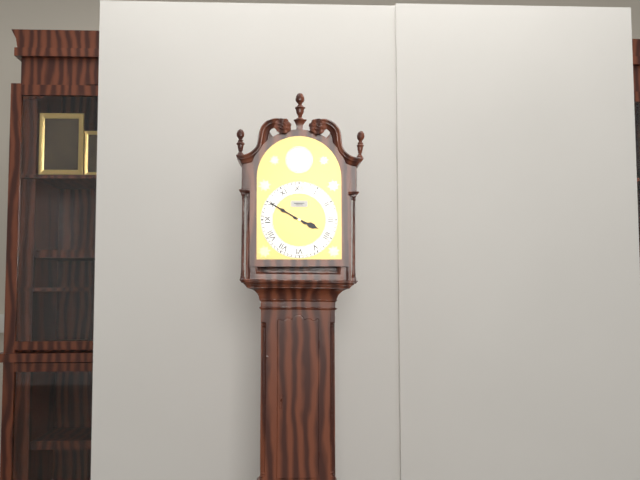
{"hour": 3, "minute": 50}
